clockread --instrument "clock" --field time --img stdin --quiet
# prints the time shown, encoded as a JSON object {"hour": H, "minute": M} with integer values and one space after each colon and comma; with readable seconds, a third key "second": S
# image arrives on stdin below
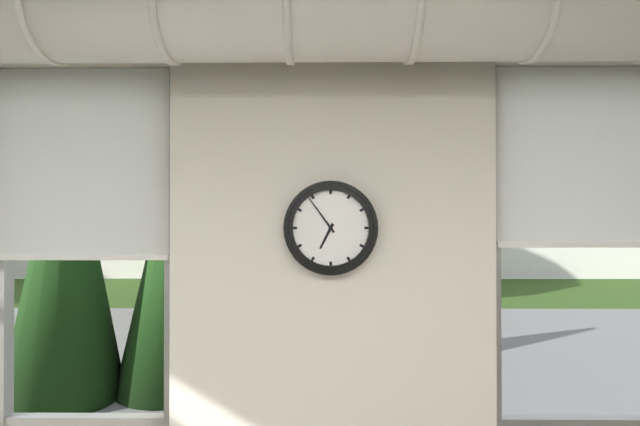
{"hour": 6, "minute": 54}
